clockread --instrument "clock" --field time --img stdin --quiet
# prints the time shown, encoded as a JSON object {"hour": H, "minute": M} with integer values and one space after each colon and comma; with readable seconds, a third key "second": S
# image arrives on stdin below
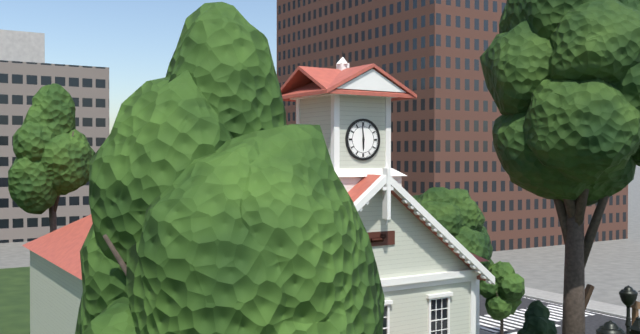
{"hour": 5, "minute": 59}
